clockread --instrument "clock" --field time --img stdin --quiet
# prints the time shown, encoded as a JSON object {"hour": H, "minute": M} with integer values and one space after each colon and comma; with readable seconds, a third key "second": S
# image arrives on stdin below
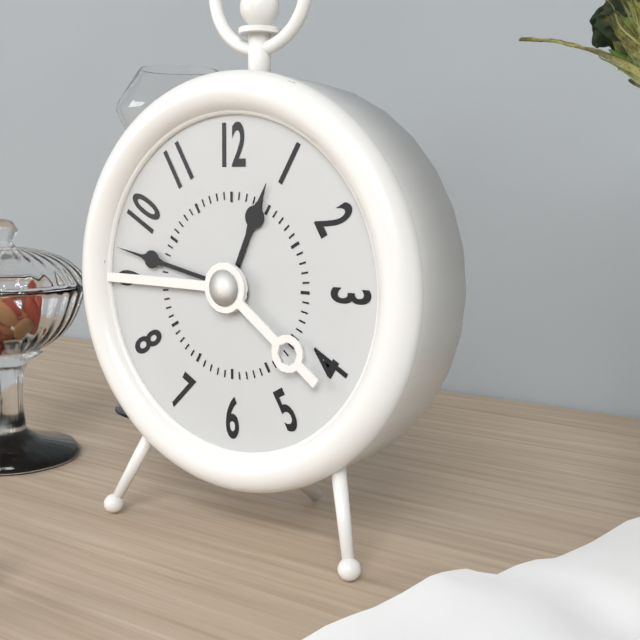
{"hour": 12, "minute": 47}
